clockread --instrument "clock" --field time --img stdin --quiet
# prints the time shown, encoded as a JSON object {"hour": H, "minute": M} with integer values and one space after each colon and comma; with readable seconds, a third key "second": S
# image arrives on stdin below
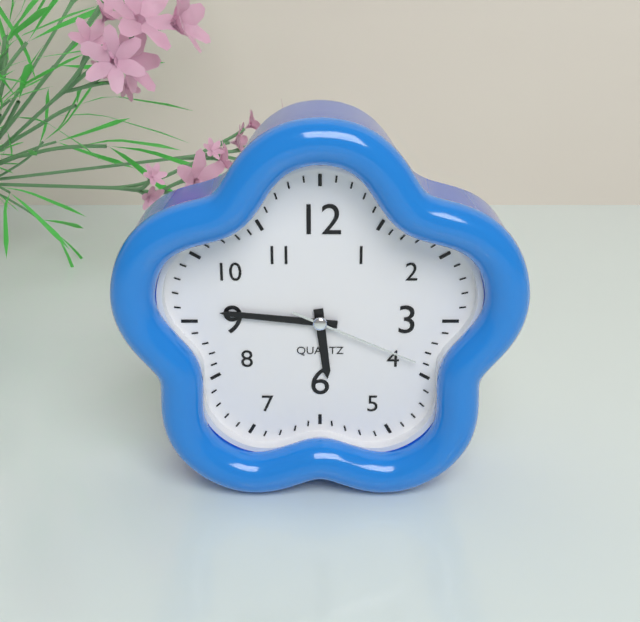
{"hour": 5, "minute": 46, "second": 19}
